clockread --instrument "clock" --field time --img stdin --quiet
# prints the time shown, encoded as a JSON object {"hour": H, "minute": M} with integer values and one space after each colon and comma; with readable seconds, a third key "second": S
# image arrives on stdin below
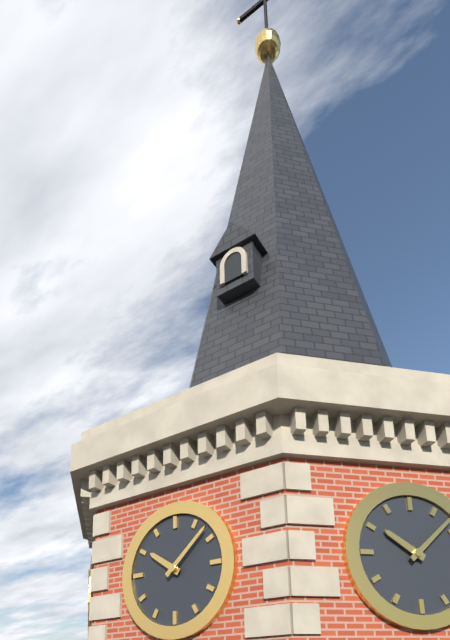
{"hour": 10, "minute": 8}
